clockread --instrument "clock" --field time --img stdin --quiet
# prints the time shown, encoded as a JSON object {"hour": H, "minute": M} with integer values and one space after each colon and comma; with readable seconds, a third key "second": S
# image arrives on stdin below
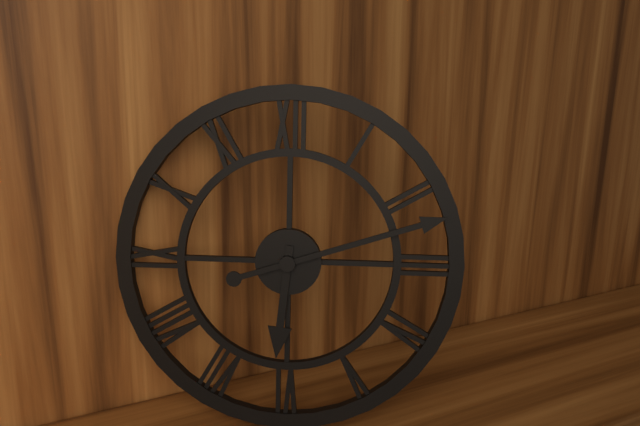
{"hour": 6, "minute": 12}
